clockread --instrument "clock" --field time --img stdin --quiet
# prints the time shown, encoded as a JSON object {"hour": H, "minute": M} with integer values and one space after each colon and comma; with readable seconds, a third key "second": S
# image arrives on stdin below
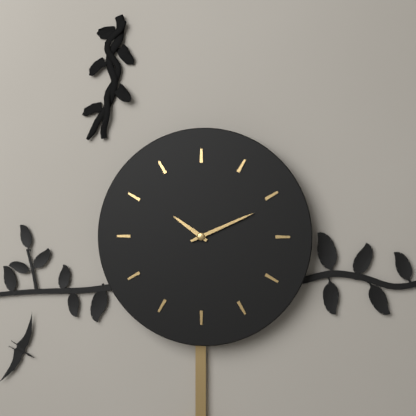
{"hour": 10, "minute": 11}
